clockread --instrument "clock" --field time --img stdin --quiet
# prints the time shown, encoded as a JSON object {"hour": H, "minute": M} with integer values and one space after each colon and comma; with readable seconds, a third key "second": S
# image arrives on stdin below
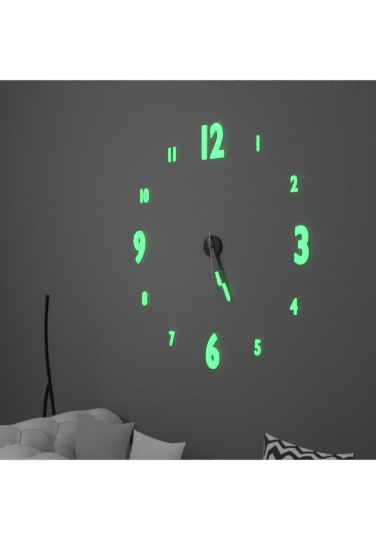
{"hour": 5, "minute": 26, "second": 29}
